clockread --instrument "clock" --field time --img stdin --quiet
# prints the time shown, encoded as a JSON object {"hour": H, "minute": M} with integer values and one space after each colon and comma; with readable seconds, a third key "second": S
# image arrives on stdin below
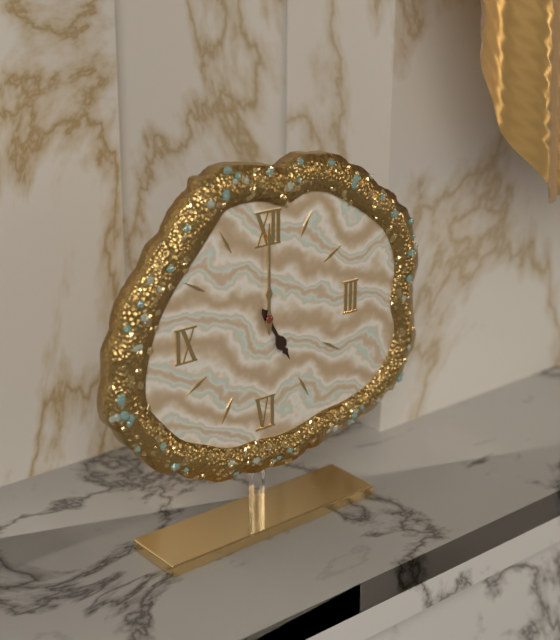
{"hour": 5, "minute": 0}
